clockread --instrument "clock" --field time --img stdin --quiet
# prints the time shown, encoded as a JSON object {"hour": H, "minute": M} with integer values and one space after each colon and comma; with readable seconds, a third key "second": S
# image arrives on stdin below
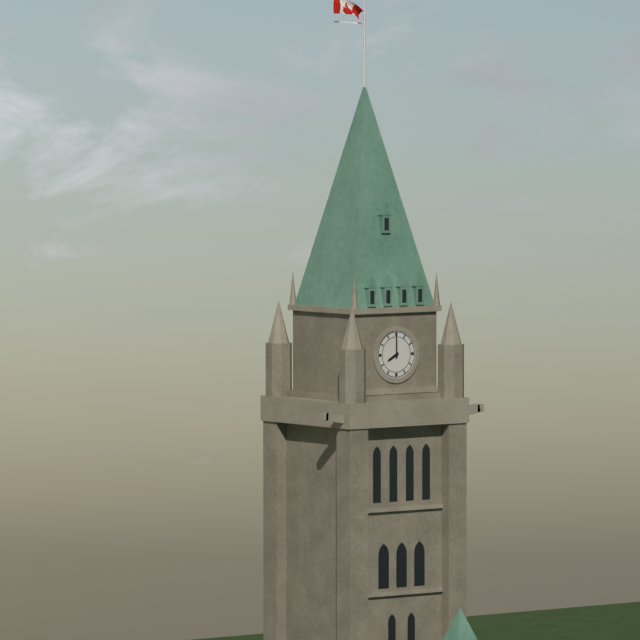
{"hour": 8, "minute": 0}
